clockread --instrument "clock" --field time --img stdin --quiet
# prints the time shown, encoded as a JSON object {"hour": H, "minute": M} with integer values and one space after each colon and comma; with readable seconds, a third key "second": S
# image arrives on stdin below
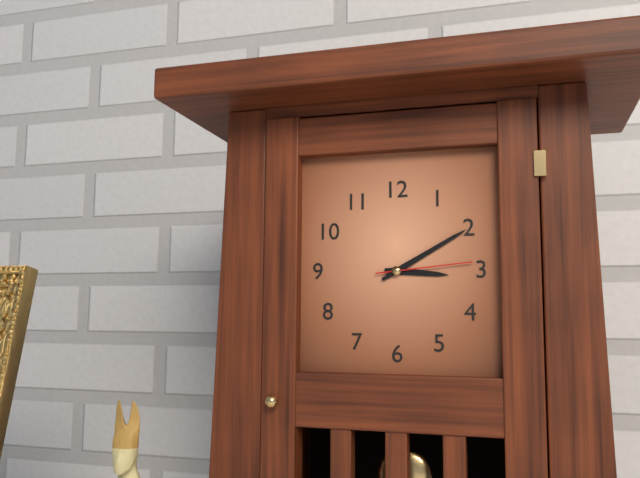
{"hour": 3, "minute": 10, "second": 14}
